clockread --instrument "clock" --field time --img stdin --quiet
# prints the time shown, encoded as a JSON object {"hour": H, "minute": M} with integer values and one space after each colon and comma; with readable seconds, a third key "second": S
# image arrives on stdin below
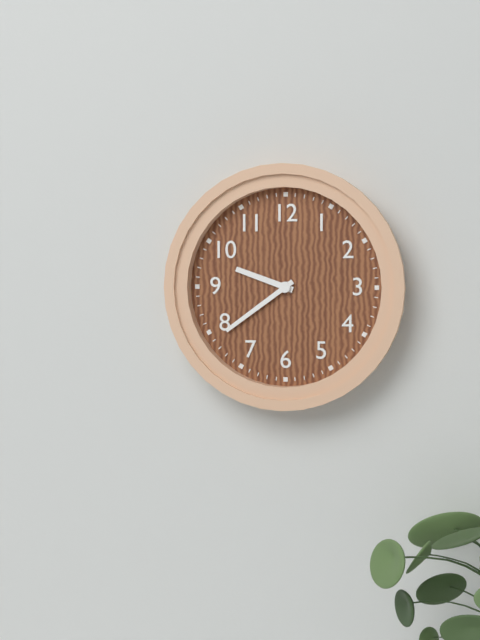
{"hour": 9, "minute": 39}
